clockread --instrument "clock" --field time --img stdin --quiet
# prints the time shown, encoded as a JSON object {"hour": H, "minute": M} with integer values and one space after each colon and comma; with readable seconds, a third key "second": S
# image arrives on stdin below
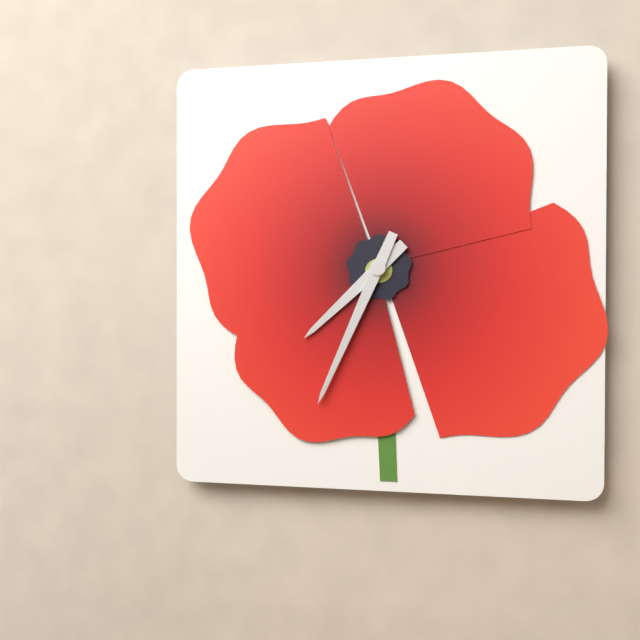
{"hour": 7, "minute": 34}
